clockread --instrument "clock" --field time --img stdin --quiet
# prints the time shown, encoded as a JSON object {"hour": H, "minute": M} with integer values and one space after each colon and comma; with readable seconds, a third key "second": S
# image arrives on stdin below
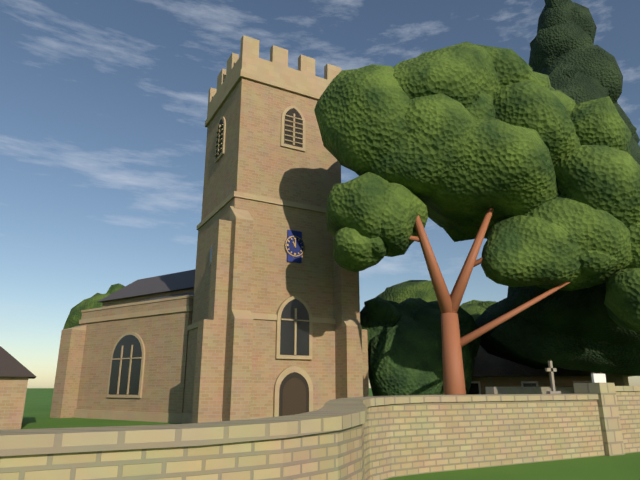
{"hour": 11, "minute": 0}
